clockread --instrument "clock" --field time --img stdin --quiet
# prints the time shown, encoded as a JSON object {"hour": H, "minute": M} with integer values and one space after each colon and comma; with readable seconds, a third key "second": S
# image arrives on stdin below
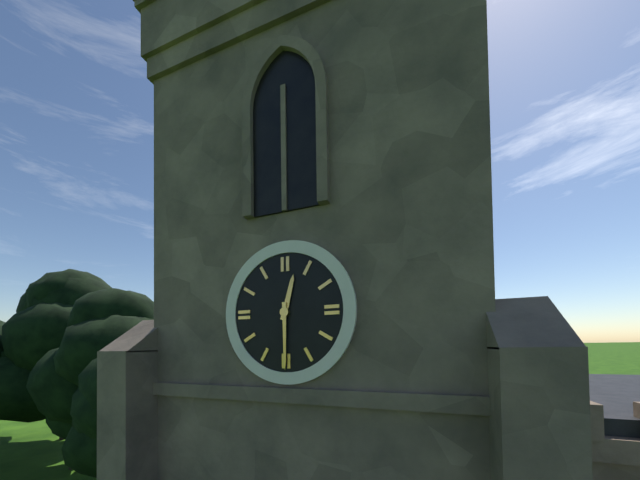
{"hour": 12, "minute": 30}
